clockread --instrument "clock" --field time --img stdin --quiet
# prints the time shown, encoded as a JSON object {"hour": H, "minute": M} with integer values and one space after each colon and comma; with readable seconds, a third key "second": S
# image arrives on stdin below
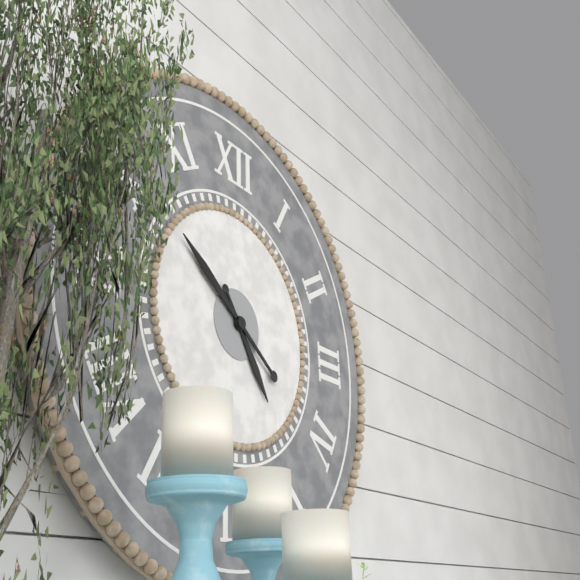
{"hour": 4, "minute": 51}
